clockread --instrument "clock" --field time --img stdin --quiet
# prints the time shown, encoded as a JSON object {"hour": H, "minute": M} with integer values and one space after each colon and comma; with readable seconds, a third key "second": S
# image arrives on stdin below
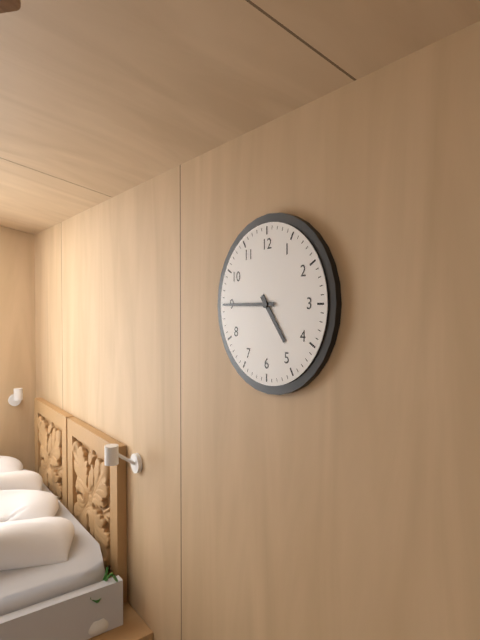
{"hour": 4, "minute": 45}
